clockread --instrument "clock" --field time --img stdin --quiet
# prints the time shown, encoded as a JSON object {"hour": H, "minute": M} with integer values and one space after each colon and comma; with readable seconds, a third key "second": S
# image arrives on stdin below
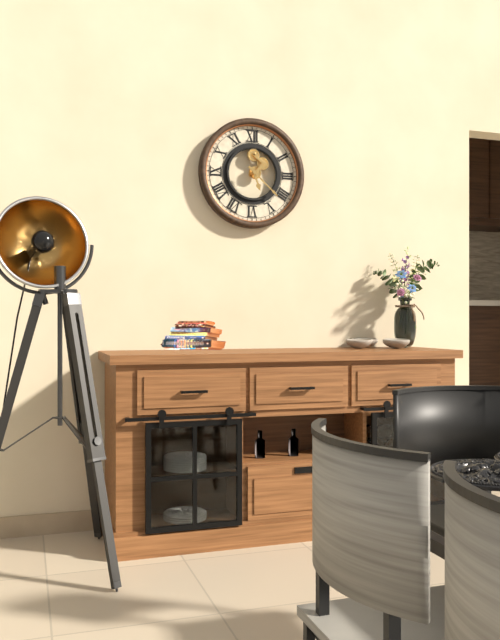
{"hour": 5, "minute": 22}
